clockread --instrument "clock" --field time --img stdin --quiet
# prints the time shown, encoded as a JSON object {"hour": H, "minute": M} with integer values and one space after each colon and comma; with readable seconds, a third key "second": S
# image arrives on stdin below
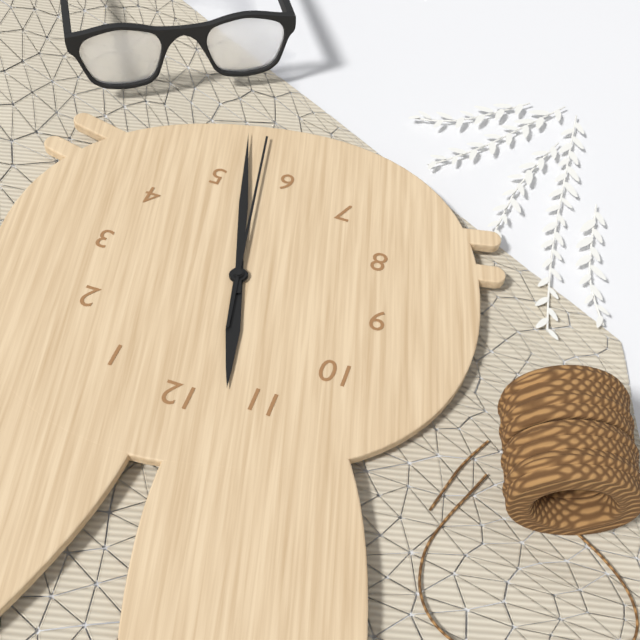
{"hour": 11, "minute": 27, "second": 28}
